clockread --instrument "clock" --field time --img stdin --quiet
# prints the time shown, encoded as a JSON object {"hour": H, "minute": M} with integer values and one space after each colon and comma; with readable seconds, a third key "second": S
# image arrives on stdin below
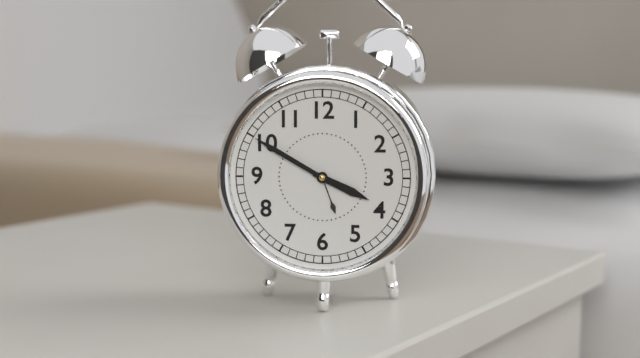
{"hour": 3, "minute": 50}
